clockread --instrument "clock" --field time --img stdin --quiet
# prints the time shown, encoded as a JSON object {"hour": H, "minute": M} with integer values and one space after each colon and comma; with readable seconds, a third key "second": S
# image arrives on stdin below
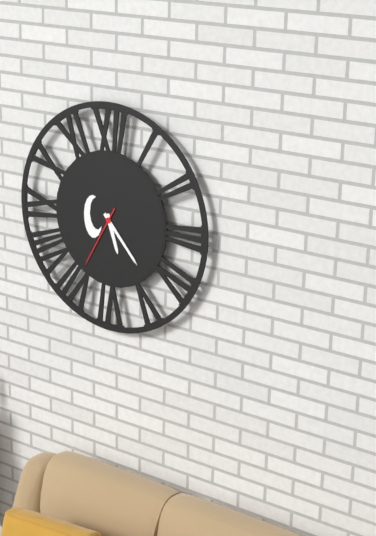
{"hour": 5, "minute": 23, "second": 35}
